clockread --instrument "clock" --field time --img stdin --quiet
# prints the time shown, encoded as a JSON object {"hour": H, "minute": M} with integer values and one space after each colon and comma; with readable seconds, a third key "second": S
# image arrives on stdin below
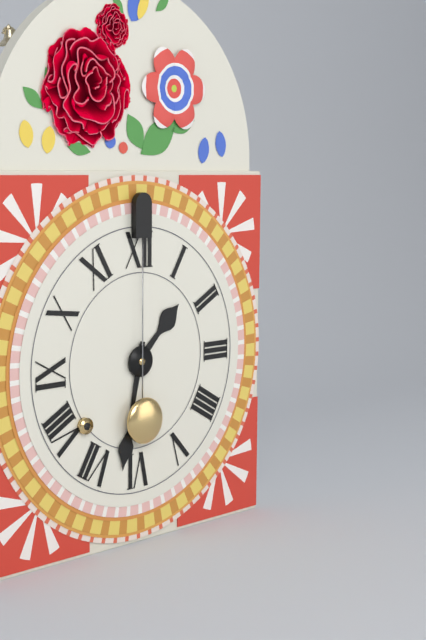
{"hour": 1, "minute": 32}
